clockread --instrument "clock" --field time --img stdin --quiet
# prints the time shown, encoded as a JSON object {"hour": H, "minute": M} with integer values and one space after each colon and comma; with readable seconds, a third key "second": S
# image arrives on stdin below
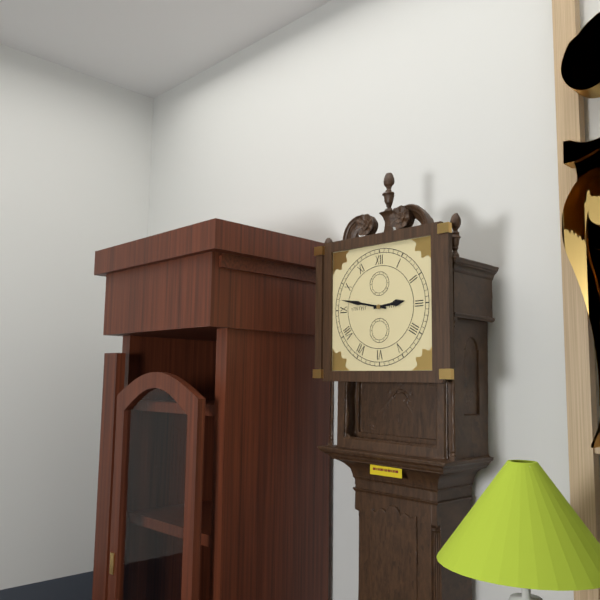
{"hour": 2, "minute": 47}
